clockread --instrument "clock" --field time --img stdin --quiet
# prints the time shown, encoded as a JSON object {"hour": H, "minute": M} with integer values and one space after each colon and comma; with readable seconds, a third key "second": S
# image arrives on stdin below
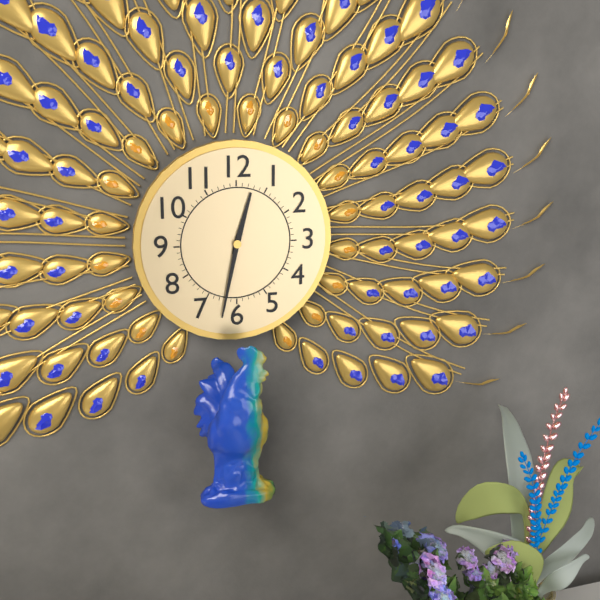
{"hour": 12, "minute": 32}
